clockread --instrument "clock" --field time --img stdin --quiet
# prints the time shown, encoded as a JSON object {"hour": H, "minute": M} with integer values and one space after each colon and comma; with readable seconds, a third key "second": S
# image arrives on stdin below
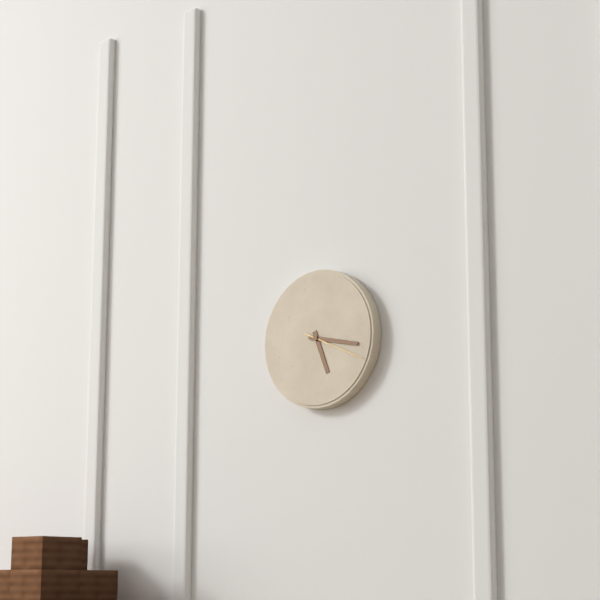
{"hour": 5, "minute": 17, "second": 19}
